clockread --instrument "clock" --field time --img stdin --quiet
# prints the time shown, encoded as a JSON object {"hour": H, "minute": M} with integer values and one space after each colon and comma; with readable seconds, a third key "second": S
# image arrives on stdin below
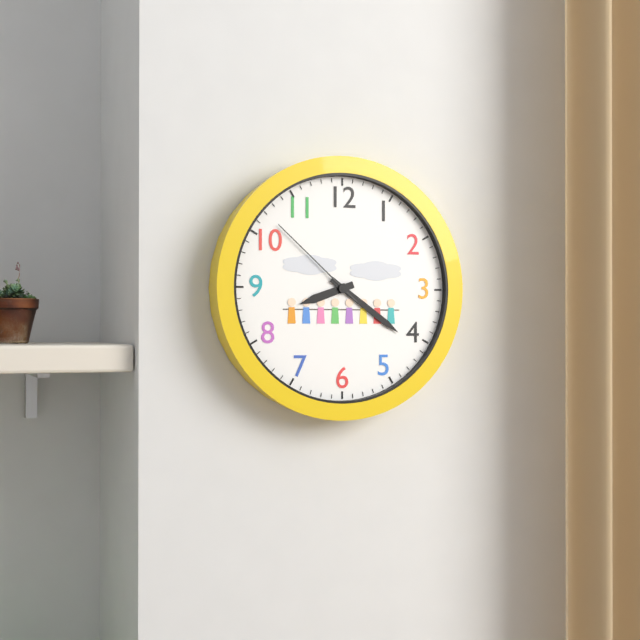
{"hour": 8, "minute": 21, "second": 52}
